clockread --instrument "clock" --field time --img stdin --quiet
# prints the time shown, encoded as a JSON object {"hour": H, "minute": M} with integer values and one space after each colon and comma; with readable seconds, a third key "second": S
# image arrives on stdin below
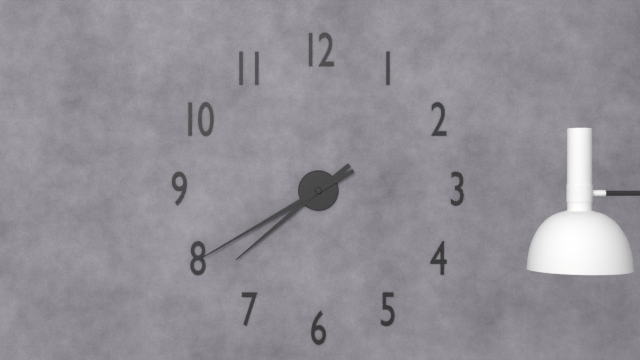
{"hour": 7, "minute": 40}
